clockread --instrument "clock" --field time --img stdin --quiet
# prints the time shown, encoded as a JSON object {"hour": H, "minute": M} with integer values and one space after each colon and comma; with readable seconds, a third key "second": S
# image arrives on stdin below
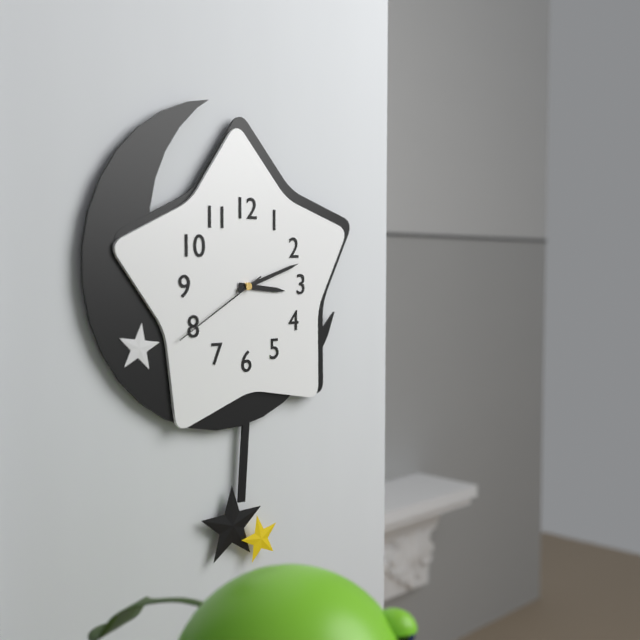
{"hour": 3, "minute": 12, "second": 40}
